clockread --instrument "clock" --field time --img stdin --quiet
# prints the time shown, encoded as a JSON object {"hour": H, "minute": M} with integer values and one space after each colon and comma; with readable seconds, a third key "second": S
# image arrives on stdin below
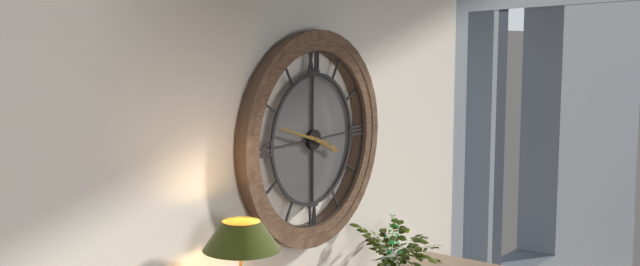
{"hour": 3, "minute": 48}
